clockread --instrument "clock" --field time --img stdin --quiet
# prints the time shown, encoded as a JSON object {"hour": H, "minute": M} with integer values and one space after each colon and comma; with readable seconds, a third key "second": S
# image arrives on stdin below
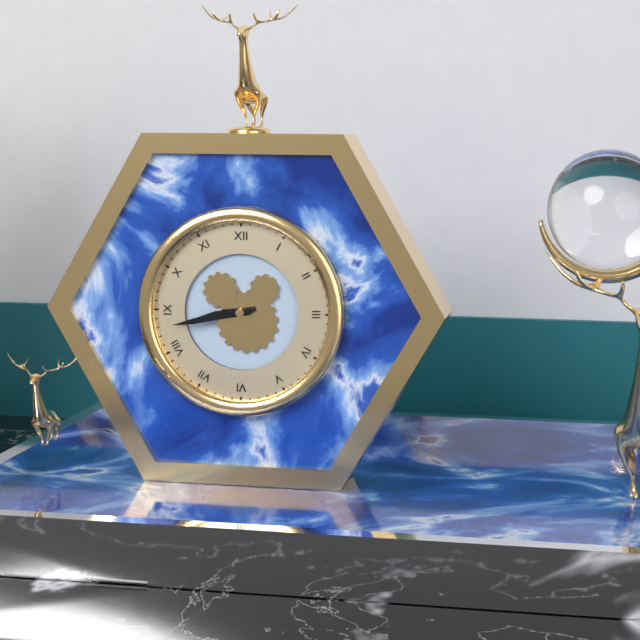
{"hour": 8, "minute": 43}
